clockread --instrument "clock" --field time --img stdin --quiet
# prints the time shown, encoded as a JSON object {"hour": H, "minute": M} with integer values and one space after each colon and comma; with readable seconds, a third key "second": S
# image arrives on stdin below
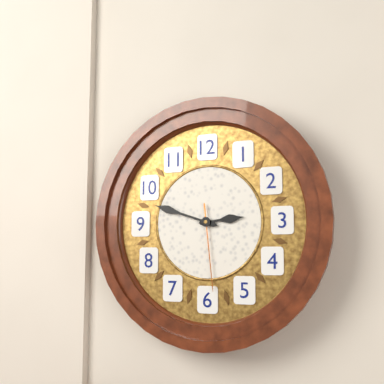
{"hour": 2, "minute": 48, "second": 29}
